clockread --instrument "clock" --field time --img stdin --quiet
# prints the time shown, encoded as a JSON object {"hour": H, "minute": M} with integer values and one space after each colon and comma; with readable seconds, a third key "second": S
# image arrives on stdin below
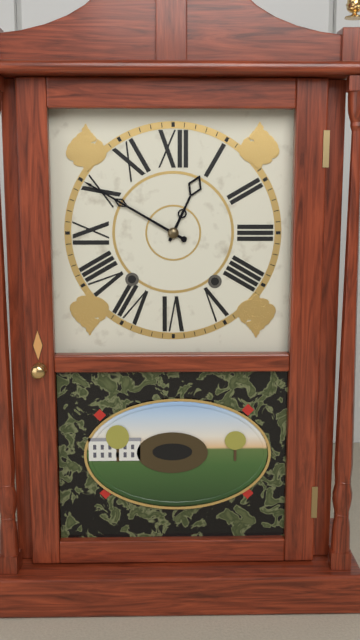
{"hour": 12, "minute": 50}
